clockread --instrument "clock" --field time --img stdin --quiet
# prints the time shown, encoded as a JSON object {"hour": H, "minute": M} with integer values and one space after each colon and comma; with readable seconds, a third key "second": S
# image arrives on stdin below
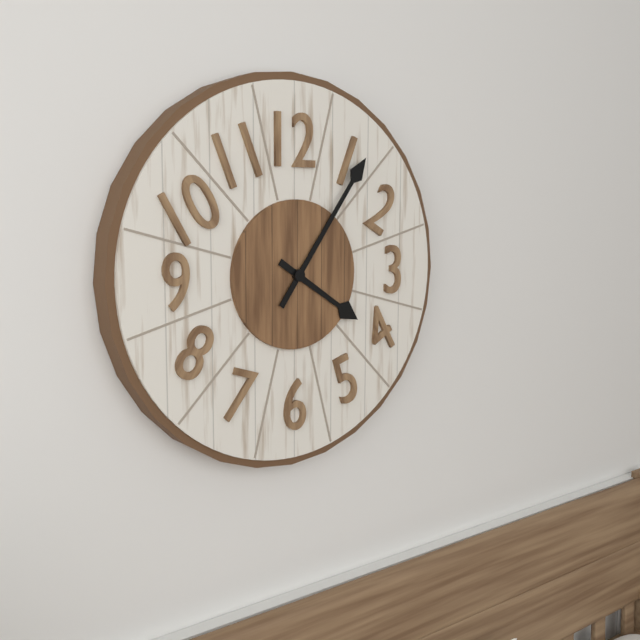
{"hour": 4, "minute": 6}
